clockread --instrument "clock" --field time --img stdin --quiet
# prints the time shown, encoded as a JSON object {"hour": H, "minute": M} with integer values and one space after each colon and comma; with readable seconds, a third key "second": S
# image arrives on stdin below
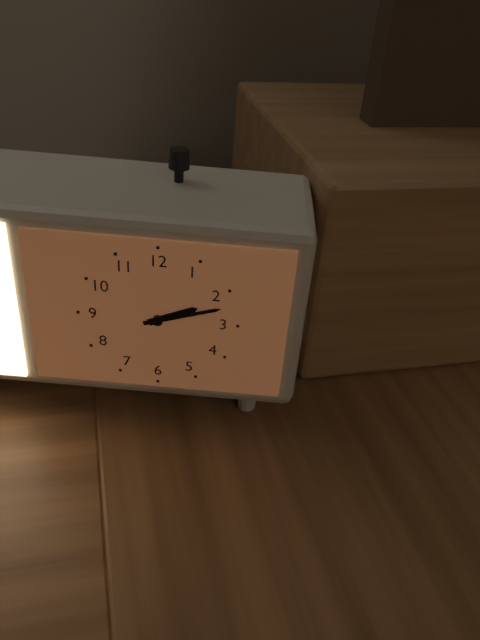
{"hour": 2, "minute": 12}
